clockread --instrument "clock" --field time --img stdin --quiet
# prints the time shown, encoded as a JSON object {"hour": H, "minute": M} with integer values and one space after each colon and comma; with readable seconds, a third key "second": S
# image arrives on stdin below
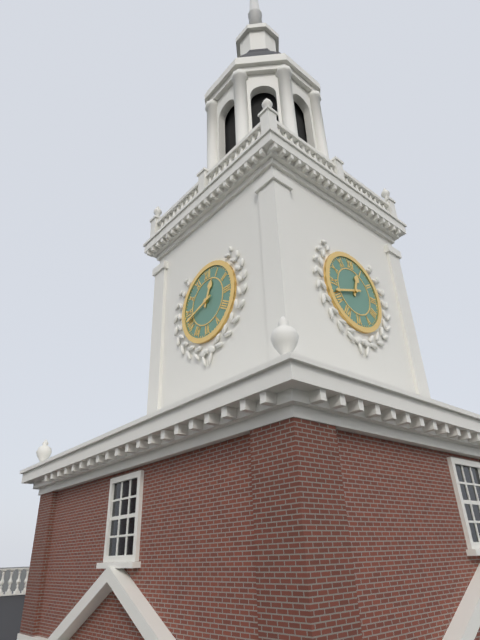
{"hour": 12, "minute": 42}
